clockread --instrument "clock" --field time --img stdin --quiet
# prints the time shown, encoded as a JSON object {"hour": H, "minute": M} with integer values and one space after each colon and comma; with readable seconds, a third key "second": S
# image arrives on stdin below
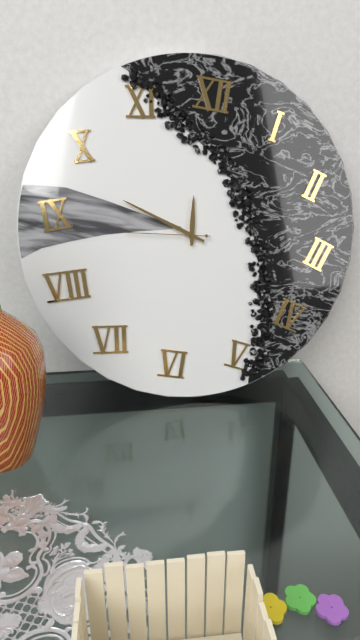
{"hour": 11, "minute": 48, "second": 44}
